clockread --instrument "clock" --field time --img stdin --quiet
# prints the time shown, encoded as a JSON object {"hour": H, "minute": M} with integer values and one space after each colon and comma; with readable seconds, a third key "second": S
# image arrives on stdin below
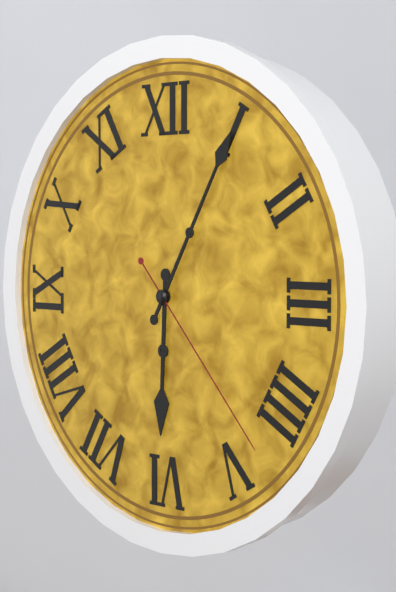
{"hour": 6, "minute": 5, "second": 23}
